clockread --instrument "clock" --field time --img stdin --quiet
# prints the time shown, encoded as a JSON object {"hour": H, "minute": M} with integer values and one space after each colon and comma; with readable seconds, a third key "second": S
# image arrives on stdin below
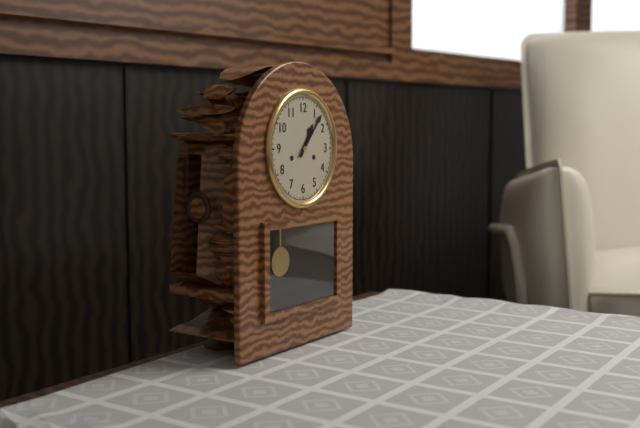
{"hour": 1, "minute": 7}
